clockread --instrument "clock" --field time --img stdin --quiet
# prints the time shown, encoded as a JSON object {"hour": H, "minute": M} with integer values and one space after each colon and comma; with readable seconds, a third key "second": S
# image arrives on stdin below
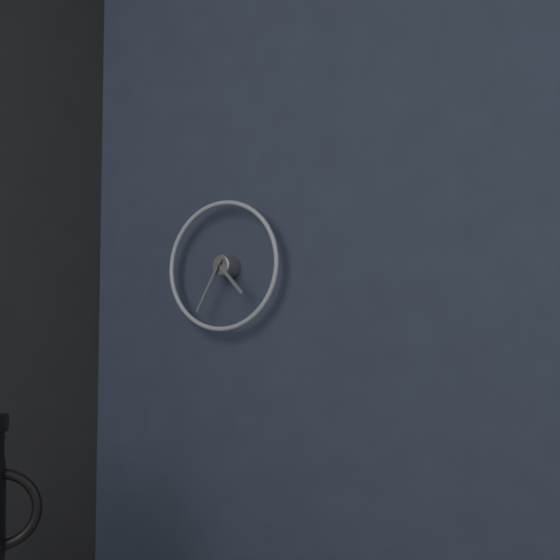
{"hour": 4, "minute": 35}
